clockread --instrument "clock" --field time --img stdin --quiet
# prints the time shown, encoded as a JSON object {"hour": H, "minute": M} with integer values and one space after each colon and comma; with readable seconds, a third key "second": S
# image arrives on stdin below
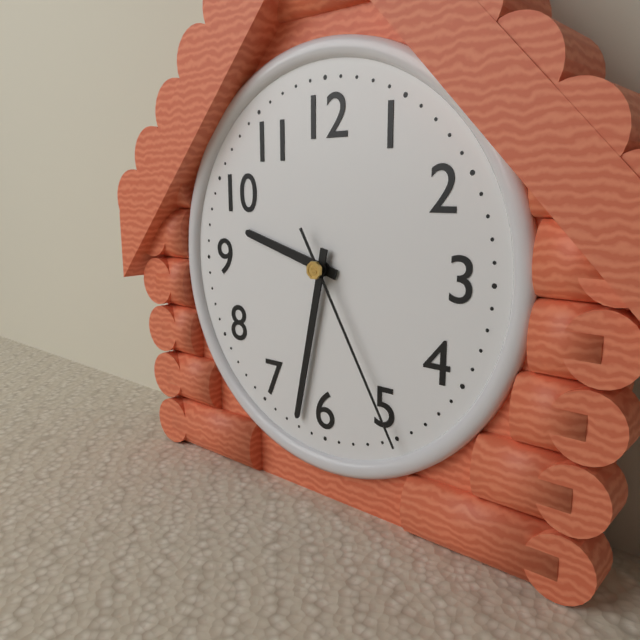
{"hour": 9, "minute": 32, "second": 25}
